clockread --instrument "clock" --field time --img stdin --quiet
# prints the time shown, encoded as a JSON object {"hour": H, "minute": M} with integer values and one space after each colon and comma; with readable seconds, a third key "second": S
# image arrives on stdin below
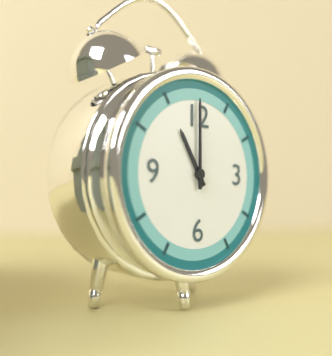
{"hour": 11, "minute": 0}
